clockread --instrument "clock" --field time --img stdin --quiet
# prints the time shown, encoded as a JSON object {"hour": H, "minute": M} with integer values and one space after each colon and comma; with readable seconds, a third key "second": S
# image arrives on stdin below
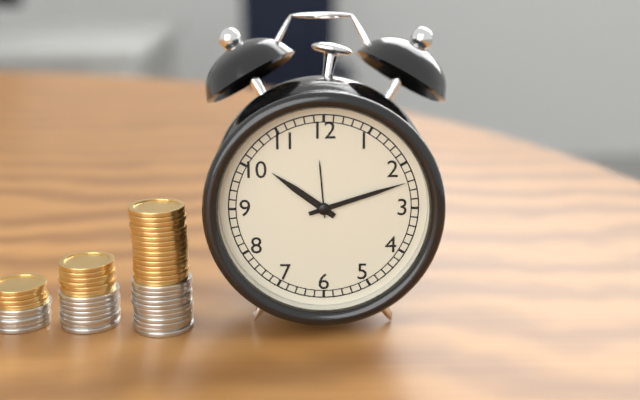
{"hour": 10, "minute": 12}
